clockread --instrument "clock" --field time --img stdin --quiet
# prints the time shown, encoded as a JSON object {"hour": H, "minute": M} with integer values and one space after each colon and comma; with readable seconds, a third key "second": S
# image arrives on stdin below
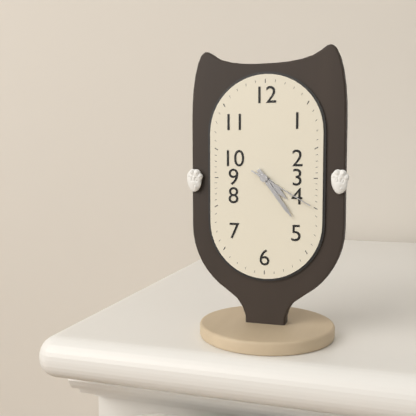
{"hour": 4, "minute": 24, "second": 20}
